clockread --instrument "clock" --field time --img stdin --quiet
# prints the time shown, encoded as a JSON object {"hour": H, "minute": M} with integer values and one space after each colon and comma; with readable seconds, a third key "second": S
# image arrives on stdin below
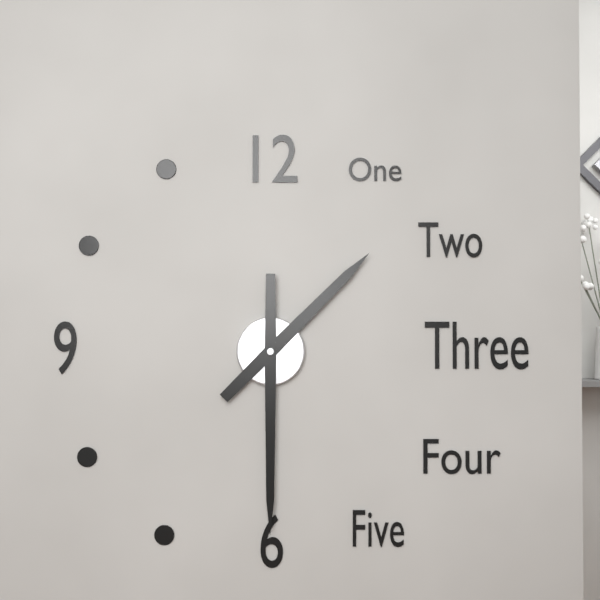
{"hour": 1, "minute": 30}
